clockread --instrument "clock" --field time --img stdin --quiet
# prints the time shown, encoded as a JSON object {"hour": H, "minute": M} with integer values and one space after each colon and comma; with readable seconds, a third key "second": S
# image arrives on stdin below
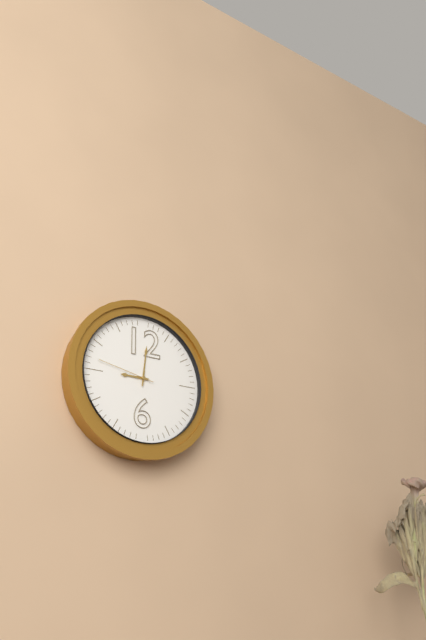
{"hour": 9, "minute": 1, "second": 47}
